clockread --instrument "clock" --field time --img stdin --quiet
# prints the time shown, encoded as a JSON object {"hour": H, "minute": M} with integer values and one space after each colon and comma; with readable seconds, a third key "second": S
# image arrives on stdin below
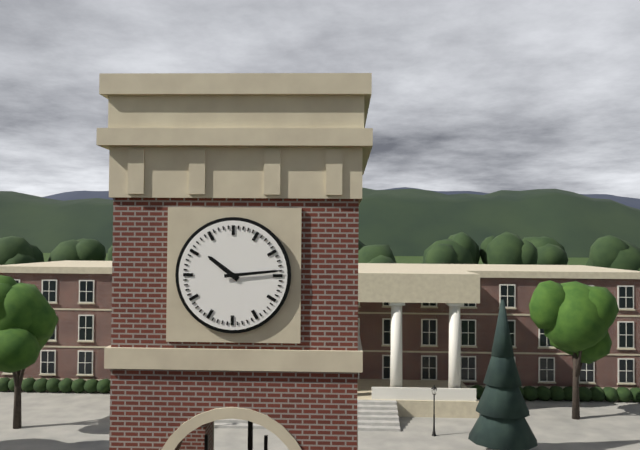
{"hour": 10, "minute": 14}
